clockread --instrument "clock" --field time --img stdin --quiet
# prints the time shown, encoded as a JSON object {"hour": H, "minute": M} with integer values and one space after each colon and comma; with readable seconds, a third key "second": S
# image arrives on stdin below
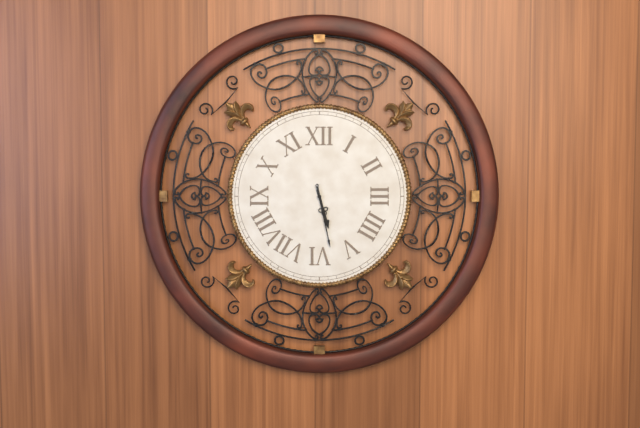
{"hour": 5, "minute": 28}
